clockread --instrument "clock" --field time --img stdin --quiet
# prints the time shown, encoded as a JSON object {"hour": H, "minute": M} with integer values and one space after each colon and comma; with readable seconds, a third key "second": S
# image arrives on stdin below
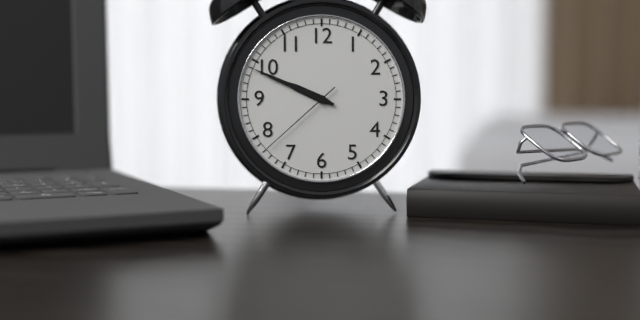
{"hour": 9, "minute": 49, "second": 38}
